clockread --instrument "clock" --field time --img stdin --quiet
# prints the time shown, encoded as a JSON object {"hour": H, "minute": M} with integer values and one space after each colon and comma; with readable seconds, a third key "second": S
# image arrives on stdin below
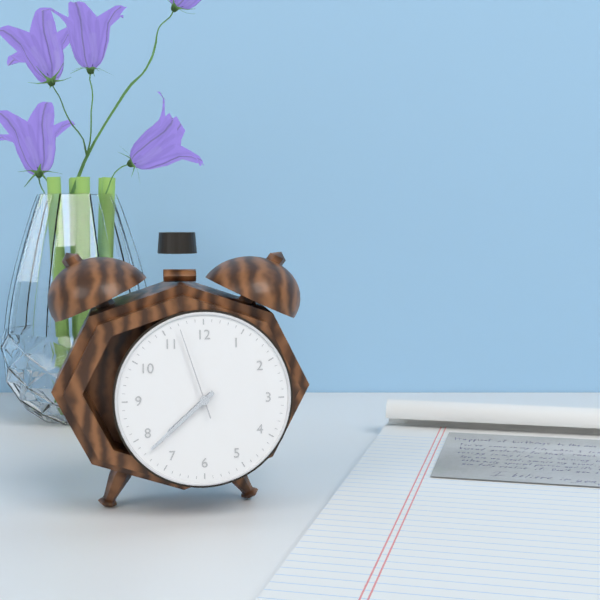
{"hour": 7, "minute": 38, "second": 57}
